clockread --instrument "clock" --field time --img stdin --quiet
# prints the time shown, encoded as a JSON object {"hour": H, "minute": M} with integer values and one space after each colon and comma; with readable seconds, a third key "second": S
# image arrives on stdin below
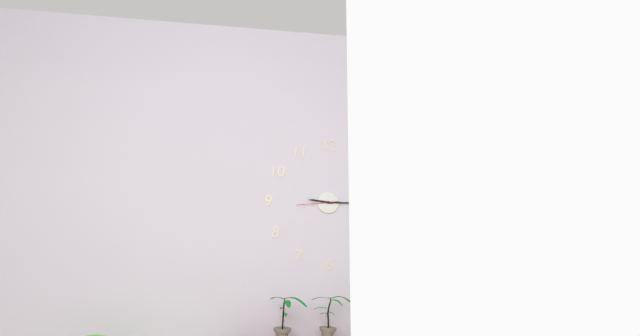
{"hour": 9, "minute": 15}
